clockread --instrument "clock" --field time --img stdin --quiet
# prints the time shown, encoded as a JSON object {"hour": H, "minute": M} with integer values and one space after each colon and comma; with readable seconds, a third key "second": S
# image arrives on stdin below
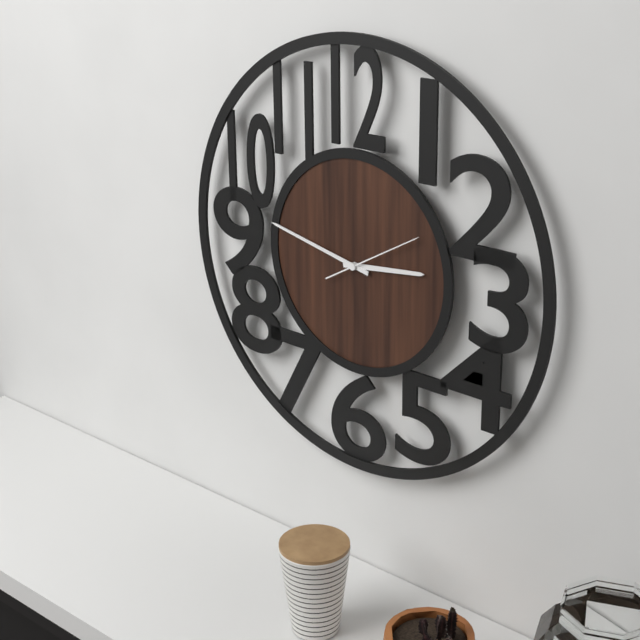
{"hour": 2, "minute": 47, "second": 10}
